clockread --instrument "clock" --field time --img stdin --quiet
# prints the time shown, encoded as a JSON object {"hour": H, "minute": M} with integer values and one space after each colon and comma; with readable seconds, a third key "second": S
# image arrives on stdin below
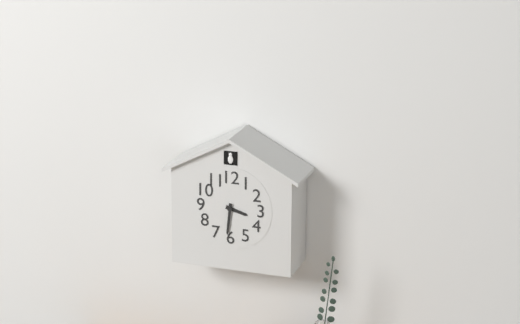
{"hour": 3, "minute": 31}
